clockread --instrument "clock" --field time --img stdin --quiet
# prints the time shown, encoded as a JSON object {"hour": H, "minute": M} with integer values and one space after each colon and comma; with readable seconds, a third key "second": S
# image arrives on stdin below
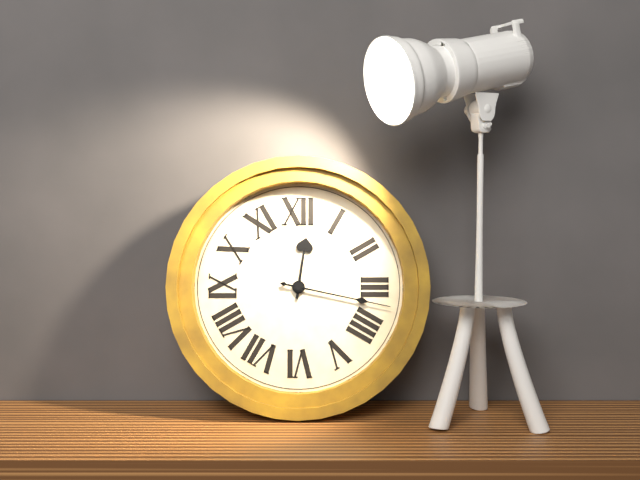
{"hour": 12, "minute": 17}
